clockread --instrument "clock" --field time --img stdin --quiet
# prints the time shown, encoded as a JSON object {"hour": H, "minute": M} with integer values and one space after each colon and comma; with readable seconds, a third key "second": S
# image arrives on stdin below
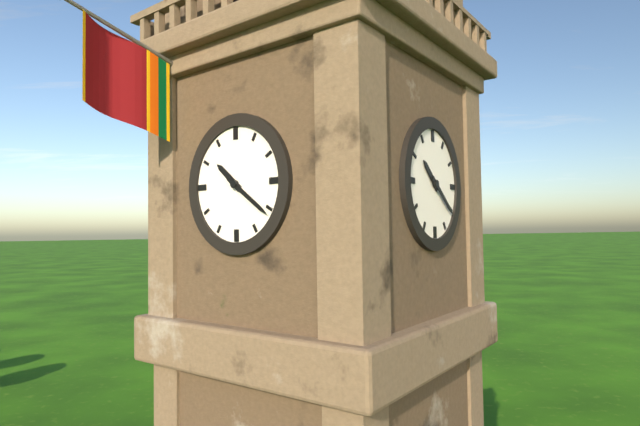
{"hour": 10, "minute": 21}
